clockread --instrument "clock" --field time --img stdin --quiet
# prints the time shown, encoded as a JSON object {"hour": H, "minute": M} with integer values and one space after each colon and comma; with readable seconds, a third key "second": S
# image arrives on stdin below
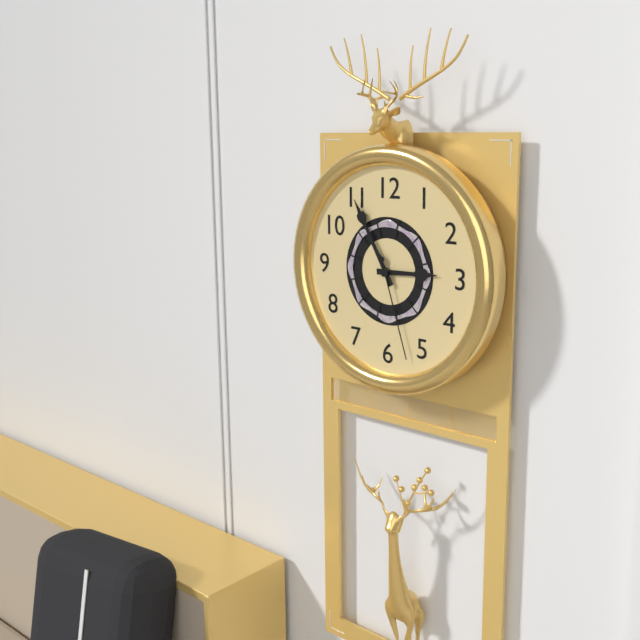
{"hour": 2, "minute": 55, "second": 27}
